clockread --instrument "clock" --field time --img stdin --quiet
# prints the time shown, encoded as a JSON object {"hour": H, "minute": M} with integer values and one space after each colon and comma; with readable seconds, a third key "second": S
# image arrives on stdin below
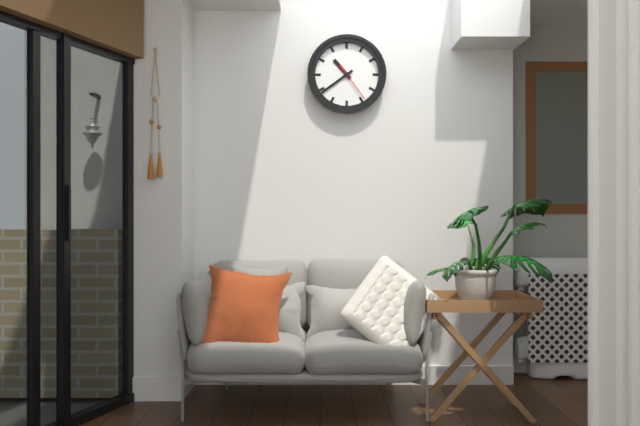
{"hour": 10, "minute": 39}
